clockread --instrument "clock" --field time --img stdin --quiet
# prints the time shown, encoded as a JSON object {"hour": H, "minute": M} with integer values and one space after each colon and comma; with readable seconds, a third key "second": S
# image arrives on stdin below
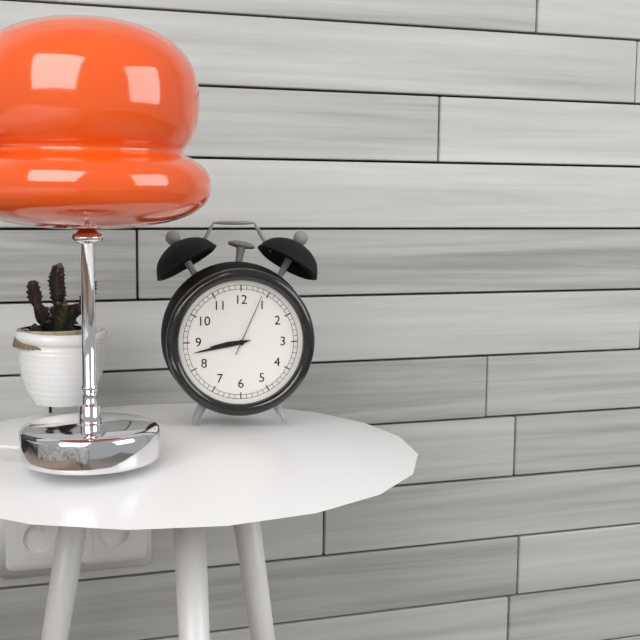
{"hour": 8, "minute": 43, "second": 4}
